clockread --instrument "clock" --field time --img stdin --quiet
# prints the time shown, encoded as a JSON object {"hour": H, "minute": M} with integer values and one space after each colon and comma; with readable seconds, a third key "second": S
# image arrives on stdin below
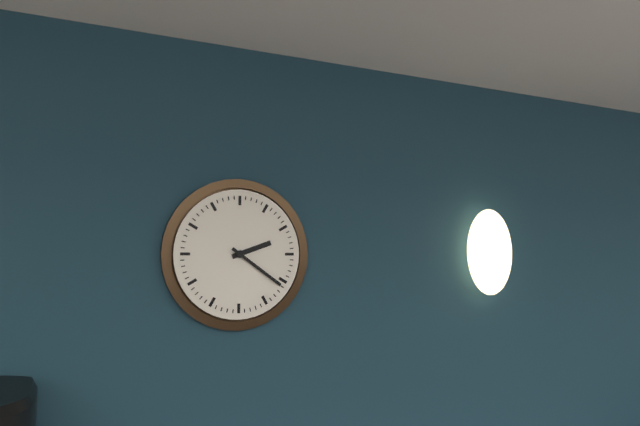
{"hour": 2, "minute": 21}
